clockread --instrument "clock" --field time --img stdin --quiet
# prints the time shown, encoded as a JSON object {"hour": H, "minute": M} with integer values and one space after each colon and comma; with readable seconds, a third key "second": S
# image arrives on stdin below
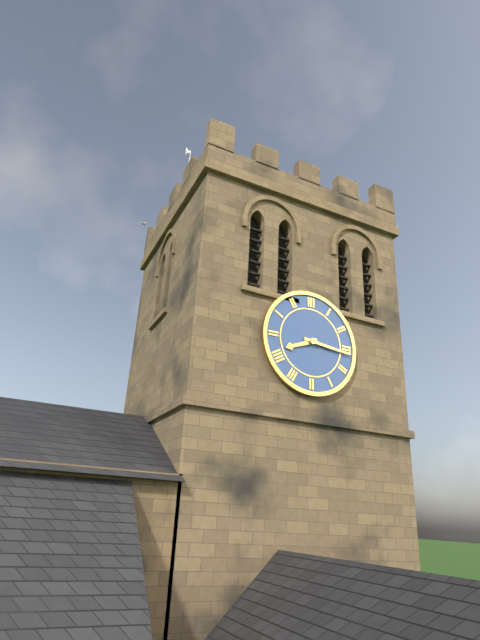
{"hour": 8, "minute": 16}
